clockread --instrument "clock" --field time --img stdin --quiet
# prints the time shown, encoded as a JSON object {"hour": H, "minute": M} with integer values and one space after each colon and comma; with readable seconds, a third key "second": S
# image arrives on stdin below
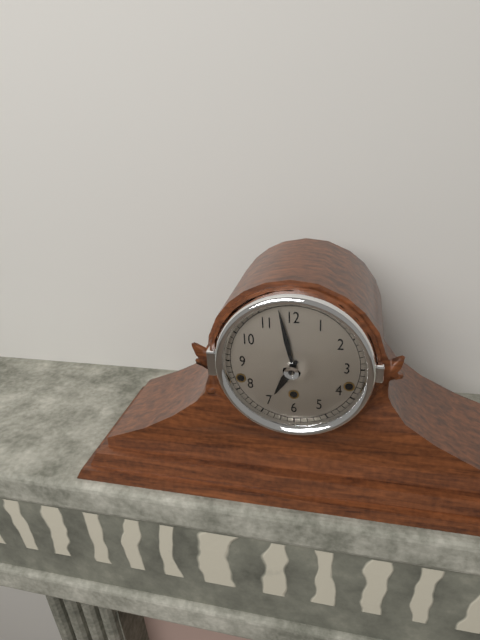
{"hour": 6, "minute": 58}
